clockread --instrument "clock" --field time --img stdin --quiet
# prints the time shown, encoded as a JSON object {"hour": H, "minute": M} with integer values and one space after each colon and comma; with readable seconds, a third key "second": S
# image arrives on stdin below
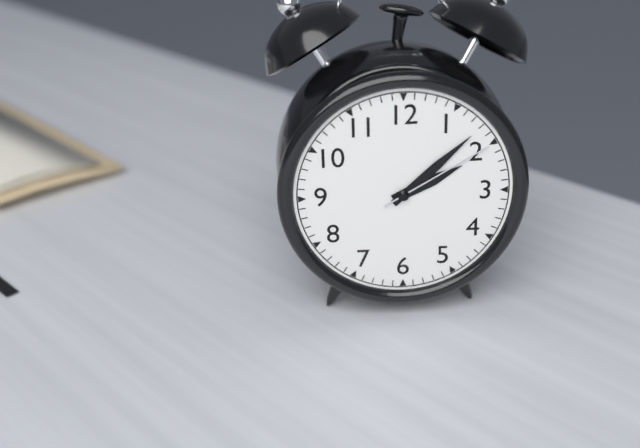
{"hour": 2, "minute": 8, "second": 10}
